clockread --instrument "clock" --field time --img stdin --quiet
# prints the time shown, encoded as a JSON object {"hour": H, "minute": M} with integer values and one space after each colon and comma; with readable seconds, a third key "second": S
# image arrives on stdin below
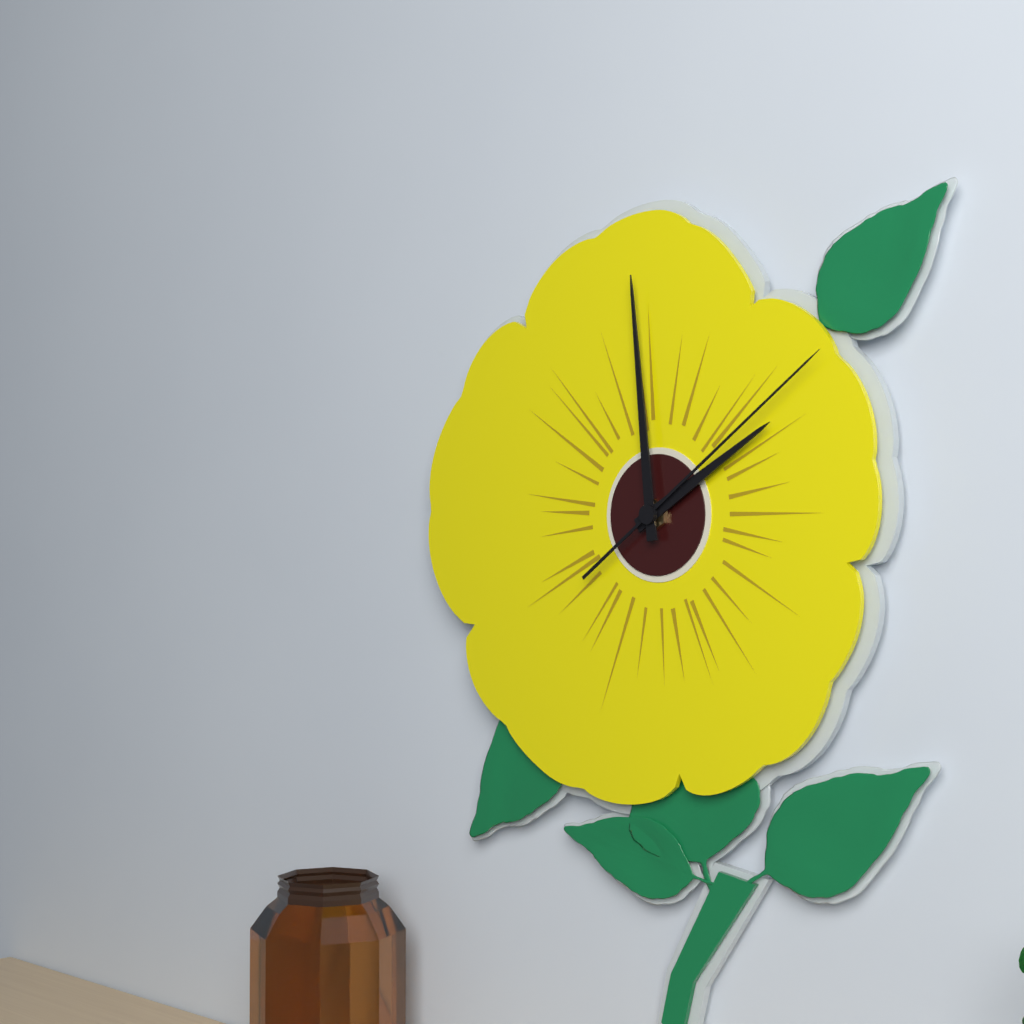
{"hour": 1, "minute": 59, "second": 9}
